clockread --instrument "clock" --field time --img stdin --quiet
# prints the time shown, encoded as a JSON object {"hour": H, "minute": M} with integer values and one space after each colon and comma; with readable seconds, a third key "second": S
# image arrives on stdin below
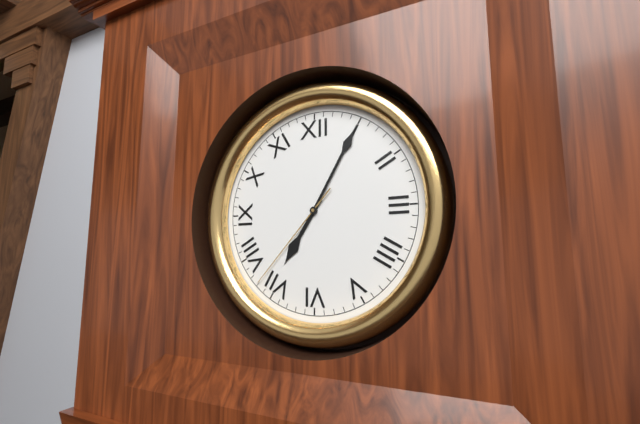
{"hour": 7, "minute": 5, "second": 37}
